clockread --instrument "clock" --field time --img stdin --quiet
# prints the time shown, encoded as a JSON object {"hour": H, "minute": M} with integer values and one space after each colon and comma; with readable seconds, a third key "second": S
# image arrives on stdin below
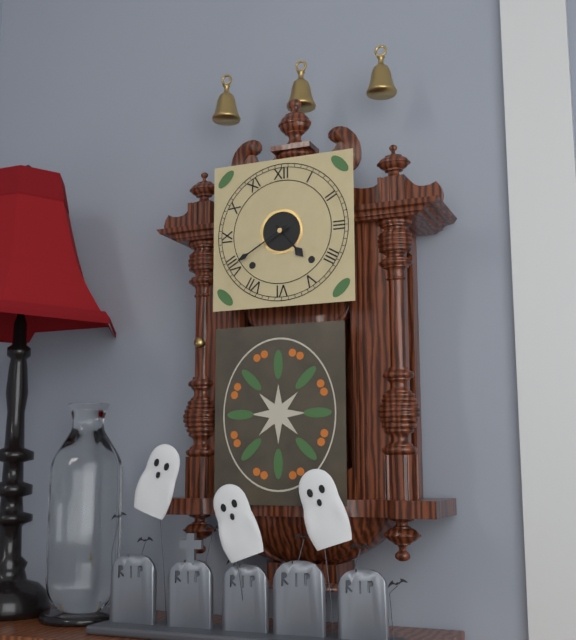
{"hour": 4, "minute": 40}
